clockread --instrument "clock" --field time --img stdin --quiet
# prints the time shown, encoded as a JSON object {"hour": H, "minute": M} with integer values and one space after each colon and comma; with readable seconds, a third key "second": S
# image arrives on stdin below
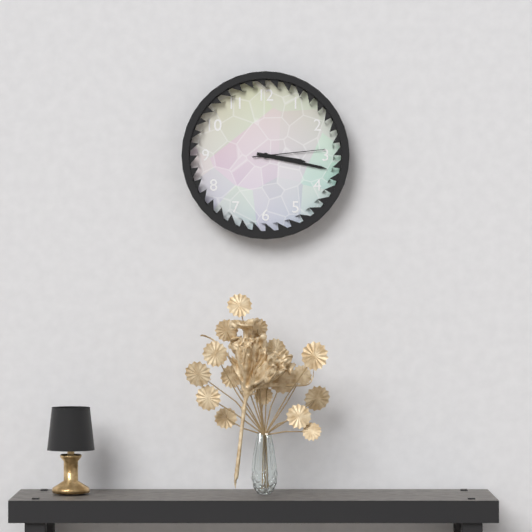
{"hour": 3, "minute": 17, "second": 14}
